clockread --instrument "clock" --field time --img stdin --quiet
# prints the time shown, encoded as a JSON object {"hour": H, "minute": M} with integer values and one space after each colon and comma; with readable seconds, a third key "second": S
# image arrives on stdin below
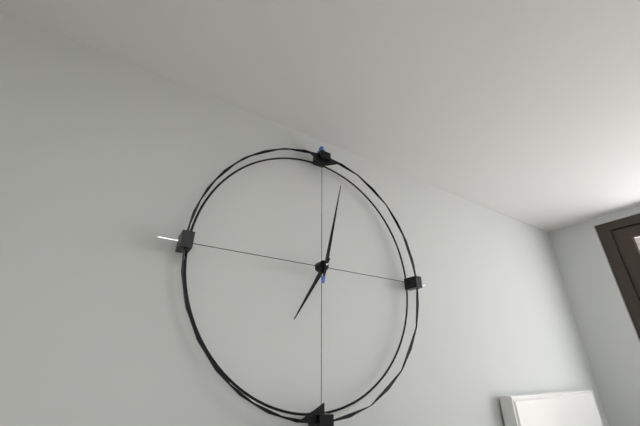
{"hour": 7, "minute": 2}
